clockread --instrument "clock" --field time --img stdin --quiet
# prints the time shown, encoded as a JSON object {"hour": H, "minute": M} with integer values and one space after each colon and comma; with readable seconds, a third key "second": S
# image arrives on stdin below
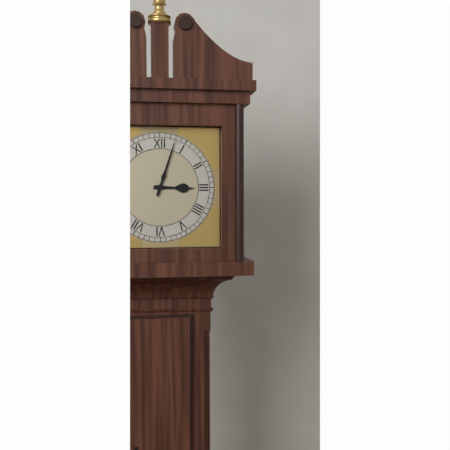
{"hour": 3, "minute": 3}
